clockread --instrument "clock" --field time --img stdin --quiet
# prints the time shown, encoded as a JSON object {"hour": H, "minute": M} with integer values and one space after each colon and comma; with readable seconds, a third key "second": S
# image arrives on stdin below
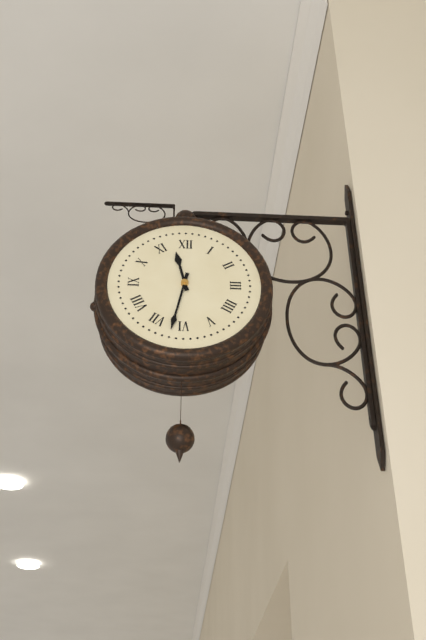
{"hour": 11, "minute": 32}
